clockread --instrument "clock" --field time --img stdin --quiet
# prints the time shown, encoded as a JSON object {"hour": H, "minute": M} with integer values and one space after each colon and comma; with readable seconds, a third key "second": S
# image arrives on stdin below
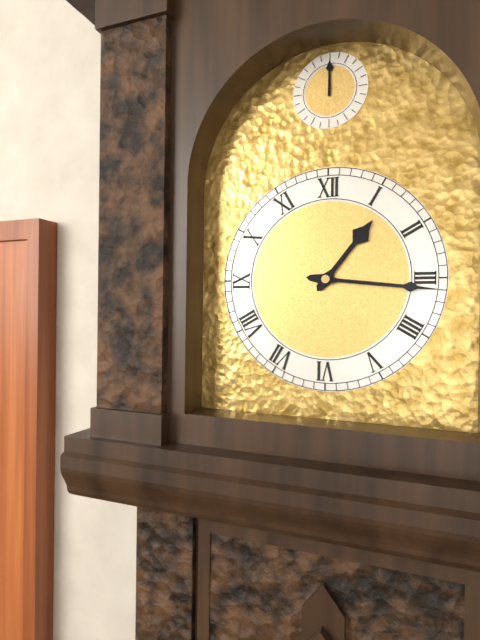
{"hour": 1, "minute": 16}
